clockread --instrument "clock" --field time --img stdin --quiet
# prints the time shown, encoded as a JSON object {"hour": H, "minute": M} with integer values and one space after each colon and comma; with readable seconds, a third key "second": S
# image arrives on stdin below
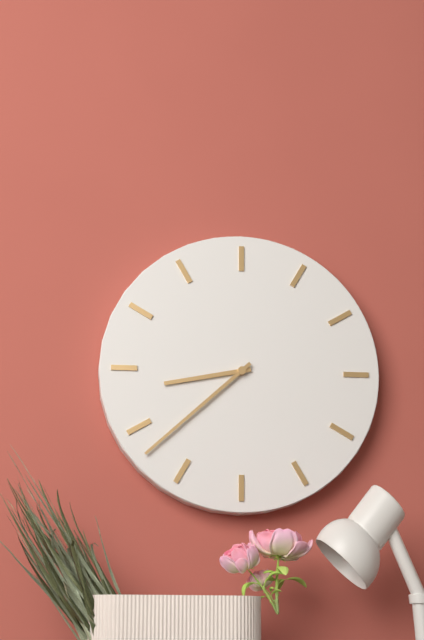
{"hour": 8, "minute": 38}
